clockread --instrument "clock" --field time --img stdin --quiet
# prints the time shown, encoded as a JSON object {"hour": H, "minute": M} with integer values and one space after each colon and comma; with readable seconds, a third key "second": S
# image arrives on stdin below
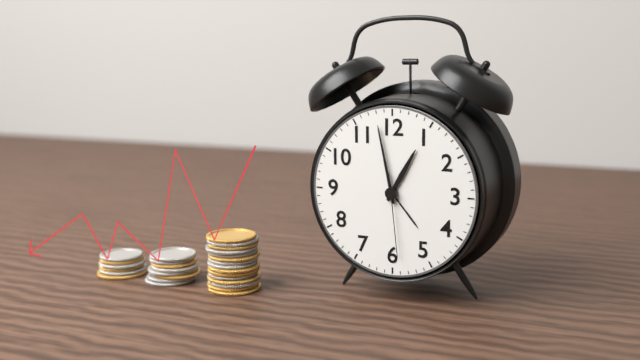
{"hour": 12, "minute": 58, "second": 29}
